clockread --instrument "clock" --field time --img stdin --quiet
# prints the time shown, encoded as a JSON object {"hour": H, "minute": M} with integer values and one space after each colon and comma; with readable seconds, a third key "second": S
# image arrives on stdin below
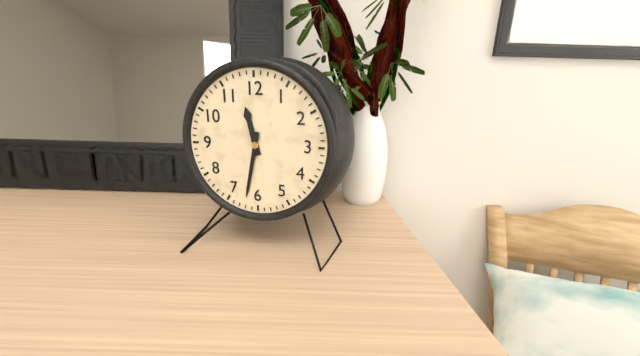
{"hour": 11, "minute": 32}
